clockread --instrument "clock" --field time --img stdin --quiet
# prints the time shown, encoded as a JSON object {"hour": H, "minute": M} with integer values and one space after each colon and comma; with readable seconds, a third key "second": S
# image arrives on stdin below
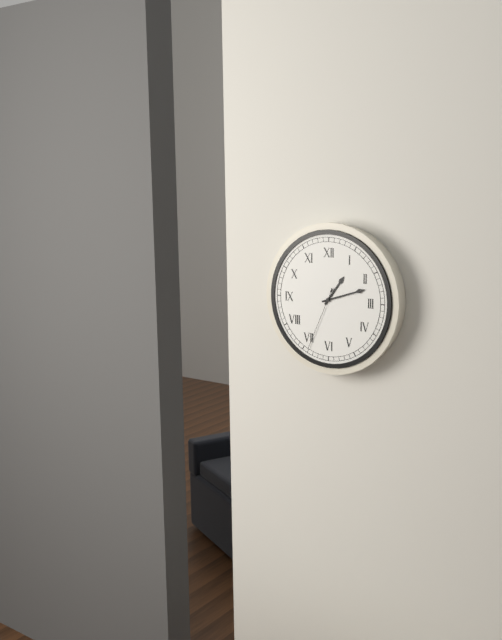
{"hour": 1, "minute": 12, "second": 34}
